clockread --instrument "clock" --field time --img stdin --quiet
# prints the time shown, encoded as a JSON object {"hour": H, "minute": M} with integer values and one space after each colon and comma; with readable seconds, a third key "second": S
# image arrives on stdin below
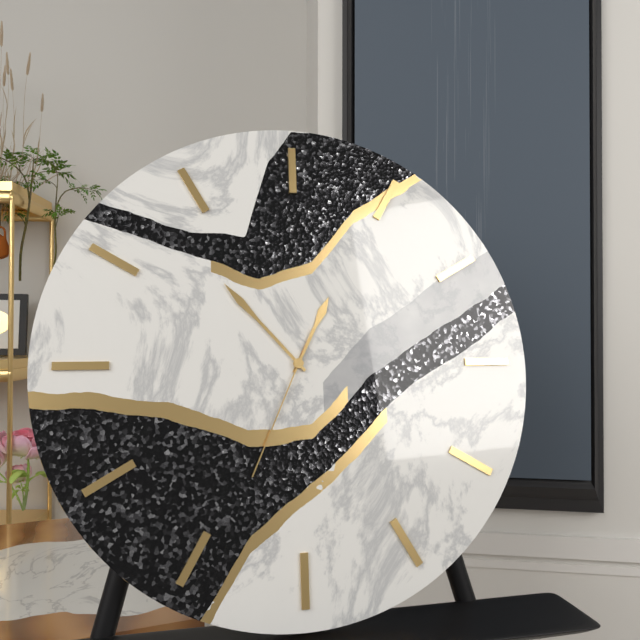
{"hour": 12, "minute": 53, "second": 34}
